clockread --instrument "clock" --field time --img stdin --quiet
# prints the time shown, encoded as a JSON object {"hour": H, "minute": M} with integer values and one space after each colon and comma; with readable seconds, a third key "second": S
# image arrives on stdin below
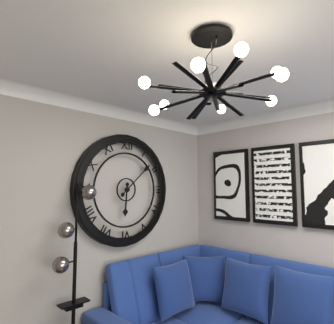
{"hour": 6, "minute": 8}
